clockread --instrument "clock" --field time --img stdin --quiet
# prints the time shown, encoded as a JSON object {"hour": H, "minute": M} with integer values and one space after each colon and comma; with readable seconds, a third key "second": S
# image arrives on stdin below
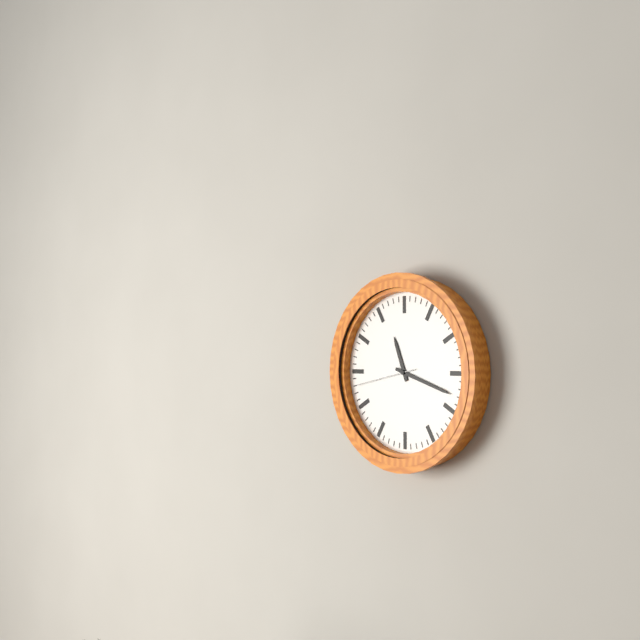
{"hour": 11, "minute": 18, "second": 43}
